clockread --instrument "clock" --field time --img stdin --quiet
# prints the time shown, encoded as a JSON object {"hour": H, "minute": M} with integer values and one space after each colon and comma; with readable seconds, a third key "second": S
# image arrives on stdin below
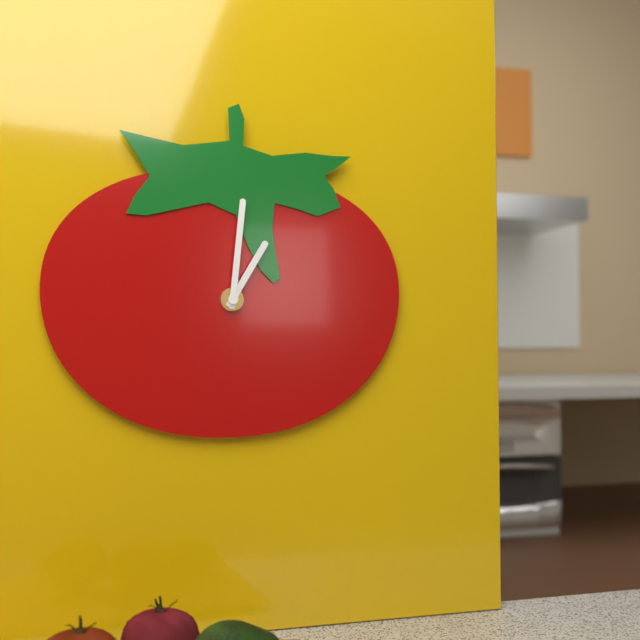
{"hour": 1, "minute": 1}
